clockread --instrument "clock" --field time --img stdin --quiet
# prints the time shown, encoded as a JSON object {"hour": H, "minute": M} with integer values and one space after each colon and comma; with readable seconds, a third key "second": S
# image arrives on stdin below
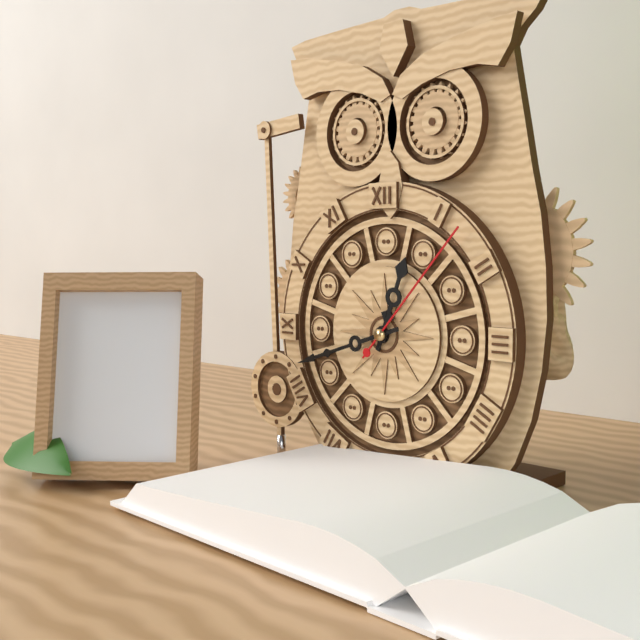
{"hour": 12, "minute": 42, "second": 7}
